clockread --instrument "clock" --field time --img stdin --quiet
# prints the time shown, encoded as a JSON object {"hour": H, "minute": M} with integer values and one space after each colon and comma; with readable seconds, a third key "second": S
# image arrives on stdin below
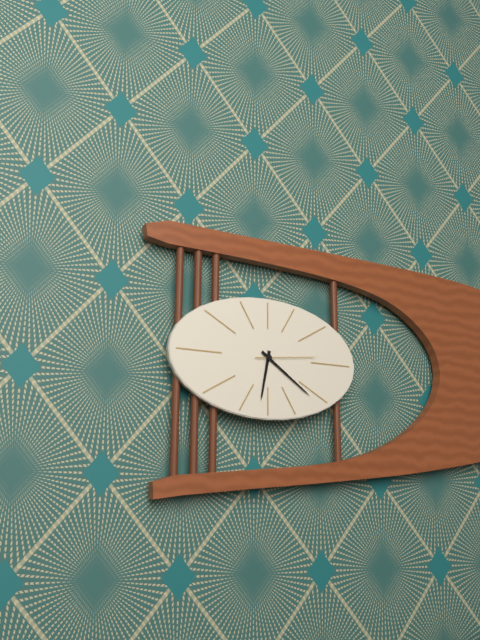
{"hour": 6, "minute": 21, "second": 14}
